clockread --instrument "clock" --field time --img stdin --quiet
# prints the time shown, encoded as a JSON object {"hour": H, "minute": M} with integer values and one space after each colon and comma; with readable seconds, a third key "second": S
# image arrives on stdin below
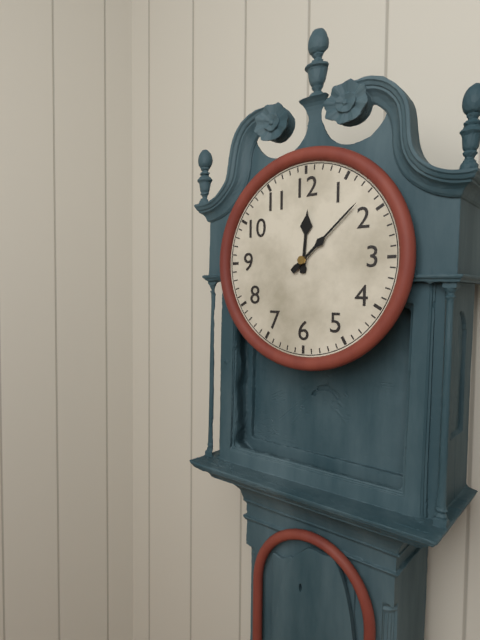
{"hour": 12, "minute": 8}
